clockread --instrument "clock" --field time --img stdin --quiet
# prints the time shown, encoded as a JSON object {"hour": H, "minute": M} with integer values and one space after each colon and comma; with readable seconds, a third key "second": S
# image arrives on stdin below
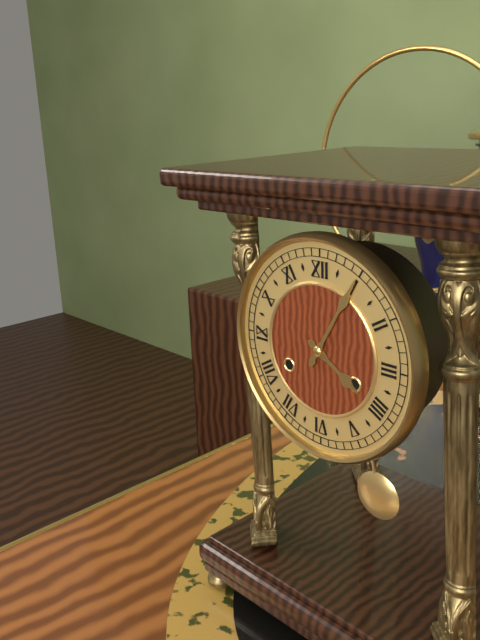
{"hour": 4, "minute": 5}
